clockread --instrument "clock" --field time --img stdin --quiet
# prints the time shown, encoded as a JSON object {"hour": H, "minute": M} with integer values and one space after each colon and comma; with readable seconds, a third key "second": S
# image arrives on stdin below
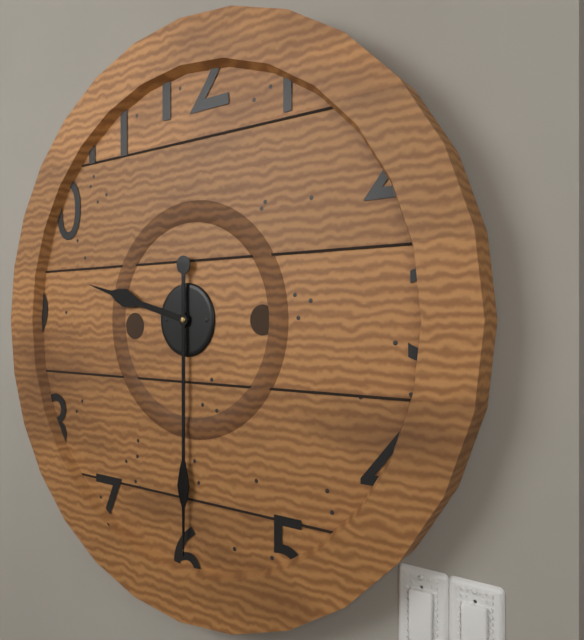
{"hour": 9, "minute": 30}
